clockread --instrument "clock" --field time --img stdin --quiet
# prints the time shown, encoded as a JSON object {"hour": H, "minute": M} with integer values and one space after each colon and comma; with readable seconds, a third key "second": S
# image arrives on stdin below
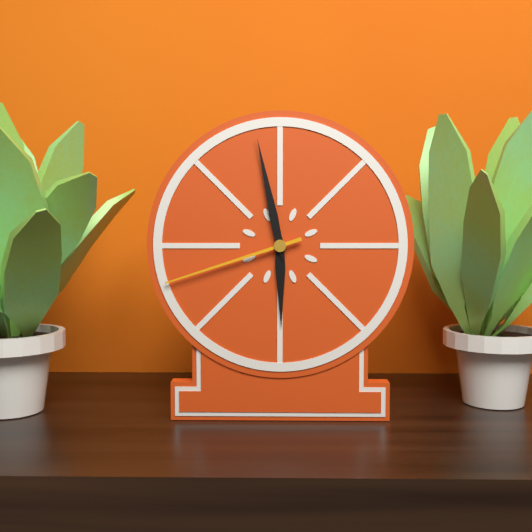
{"hour": 5, "minute": 58, "second": 42}
